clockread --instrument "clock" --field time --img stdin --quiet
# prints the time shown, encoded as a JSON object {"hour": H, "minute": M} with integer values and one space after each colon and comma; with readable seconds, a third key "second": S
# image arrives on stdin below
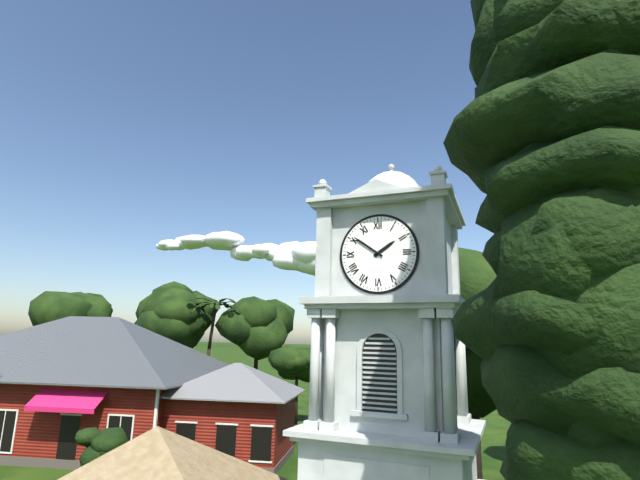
{"hour": 1, "minute": 51}
